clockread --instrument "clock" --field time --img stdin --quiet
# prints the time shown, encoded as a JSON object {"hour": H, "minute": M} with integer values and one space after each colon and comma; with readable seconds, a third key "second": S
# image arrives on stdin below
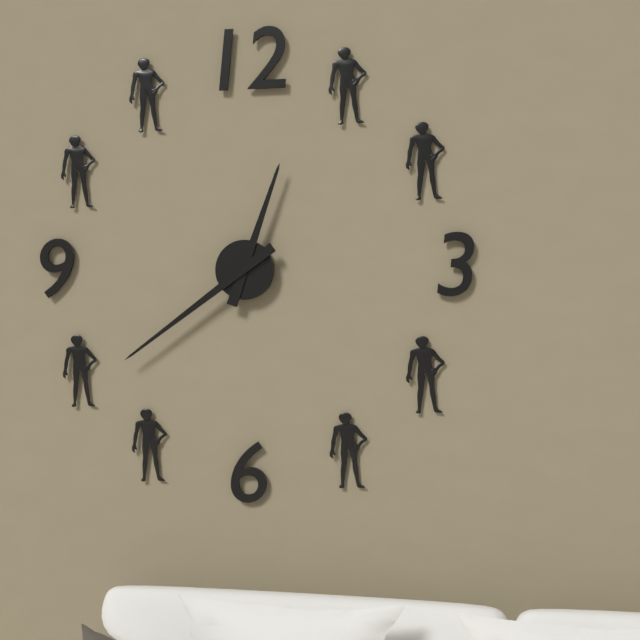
{"hour": 12, "minute": 39}
